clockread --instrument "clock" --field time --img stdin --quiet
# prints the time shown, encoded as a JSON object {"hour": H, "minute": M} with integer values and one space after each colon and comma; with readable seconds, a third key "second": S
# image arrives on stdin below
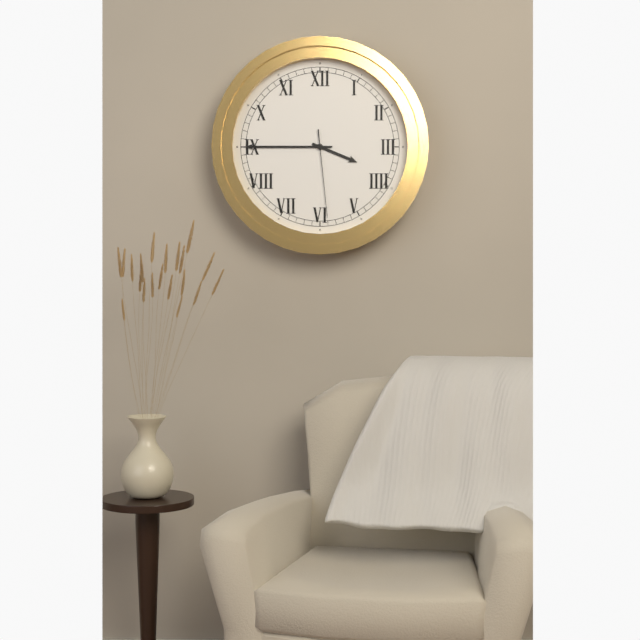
{"hour": 3, "minute": 45, "second": 29}
